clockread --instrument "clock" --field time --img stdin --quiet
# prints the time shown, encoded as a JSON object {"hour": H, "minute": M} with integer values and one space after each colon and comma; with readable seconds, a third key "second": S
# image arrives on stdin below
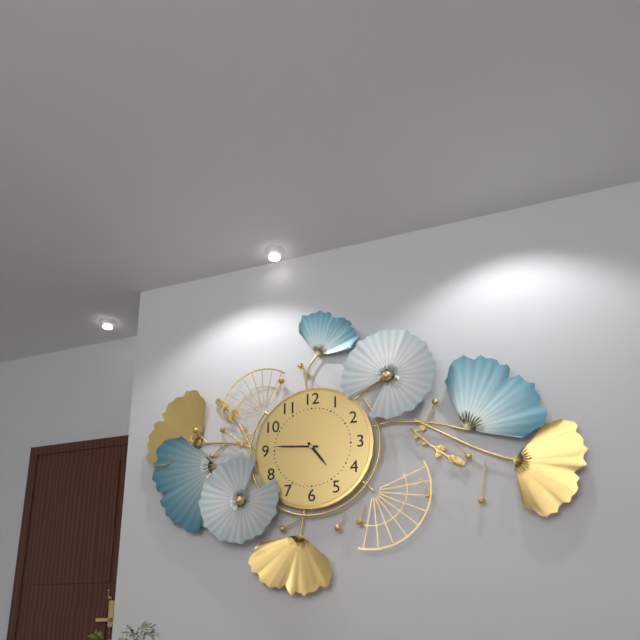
{"hour": 4, "minute": 46}
